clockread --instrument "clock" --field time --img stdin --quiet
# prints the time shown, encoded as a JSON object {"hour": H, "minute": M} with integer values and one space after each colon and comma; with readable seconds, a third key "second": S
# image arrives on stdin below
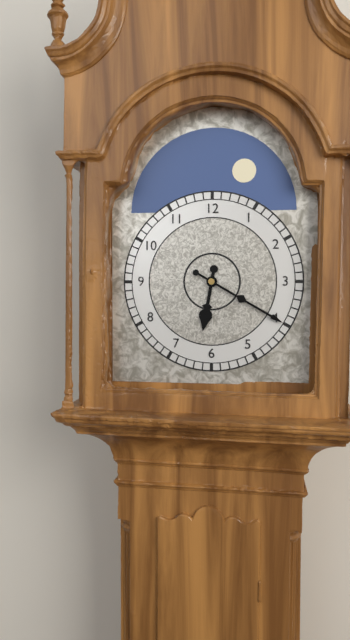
{"hour": 6, "minute": 20}
